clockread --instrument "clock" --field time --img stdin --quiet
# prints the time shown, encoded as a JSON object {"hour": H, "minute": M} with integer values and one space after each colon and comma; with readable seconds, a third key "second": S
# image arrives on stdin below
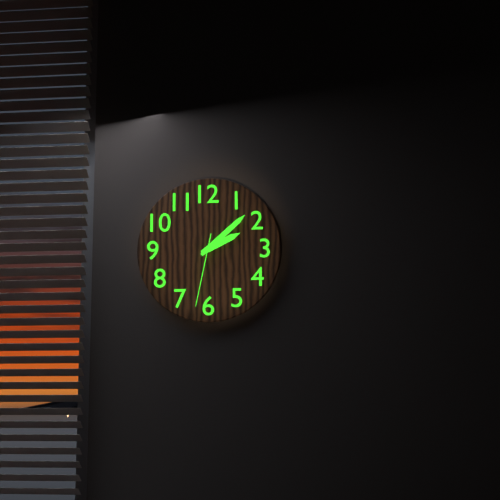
{"hour": 2, "minute": 8, "second": 32}
